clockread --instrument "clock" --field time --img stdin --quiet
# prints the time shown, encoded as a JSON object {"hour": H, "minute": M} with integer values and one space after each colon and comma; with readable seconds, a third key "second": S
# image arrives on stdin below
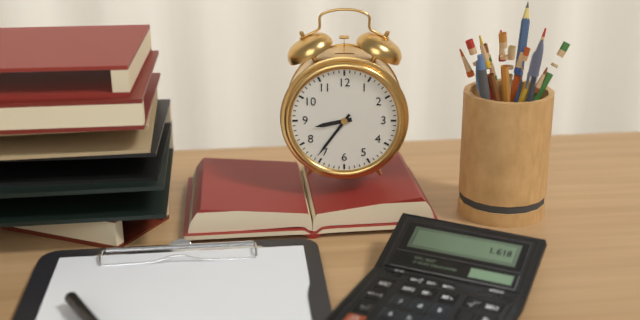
{"hour": 8, "minute": 36}
